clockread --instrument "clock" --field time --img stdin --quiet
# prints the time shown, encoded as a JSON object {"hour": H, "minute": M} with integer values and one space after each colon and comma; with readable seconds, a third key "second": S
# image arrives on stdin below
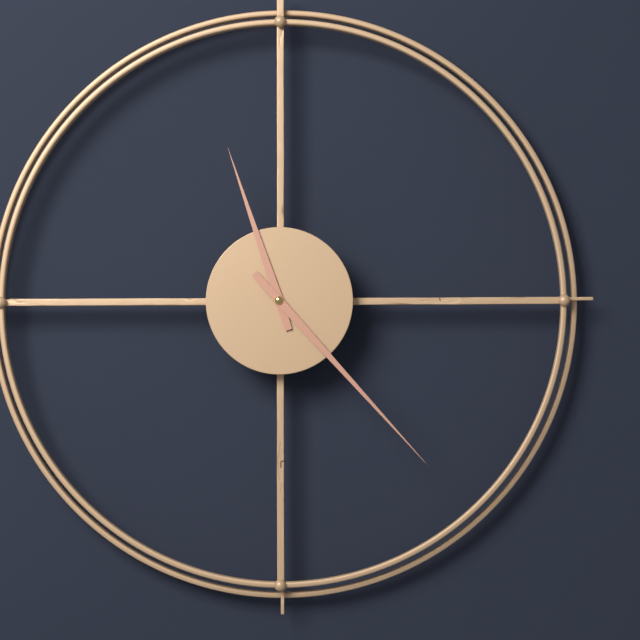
{"hour": 11, "minute": 23}
